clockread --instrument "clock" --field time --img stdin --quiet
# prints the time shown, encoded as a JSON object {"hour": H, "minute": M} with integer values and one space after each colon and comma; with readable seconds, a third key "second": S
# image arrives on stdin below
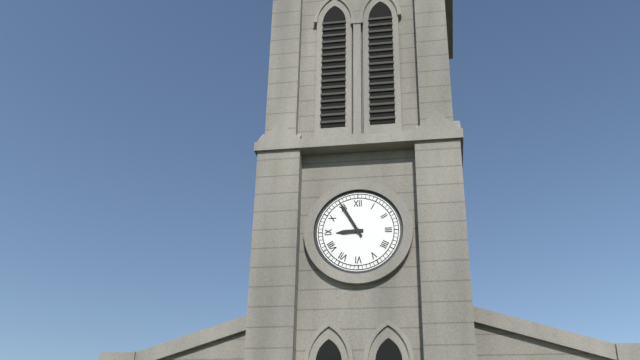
{"hour": 8, "minute": 55}
